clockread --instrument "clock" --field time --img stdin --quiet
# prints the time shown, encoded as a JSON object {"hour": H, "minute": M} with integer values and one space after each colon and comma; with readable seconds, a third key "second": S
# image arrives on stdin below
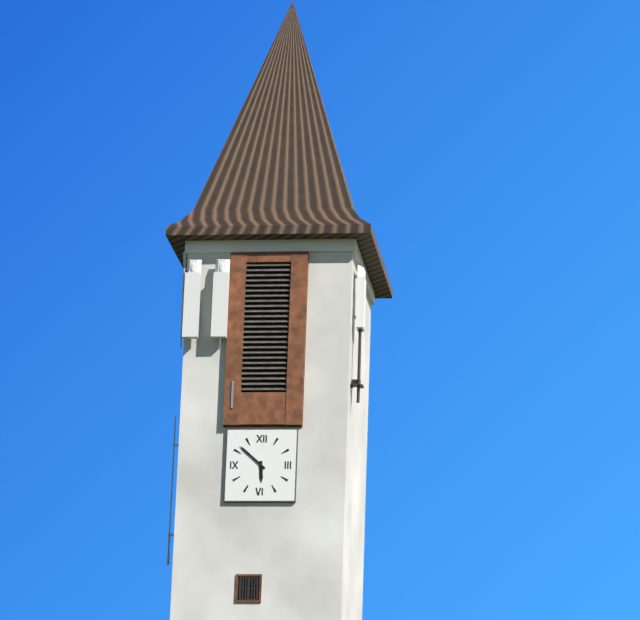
{"hour": 5, "minute": 52}
